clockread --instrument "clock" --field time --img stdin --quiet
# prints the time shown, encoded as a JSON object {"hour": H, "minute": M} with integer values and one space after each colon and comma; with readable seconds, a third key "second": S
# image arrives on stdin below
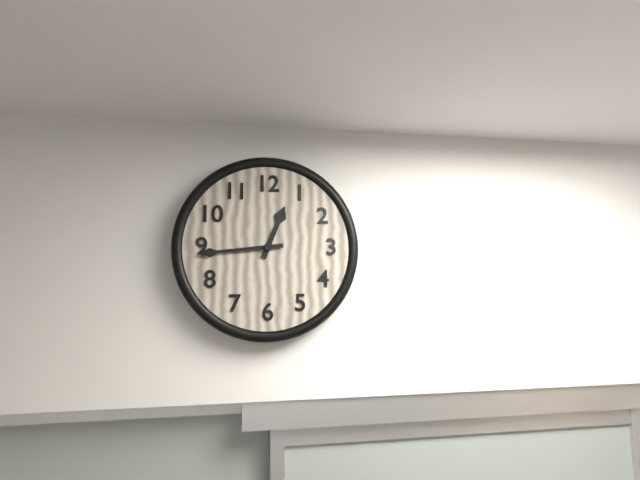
{"hour": 12, "minute": 44}
